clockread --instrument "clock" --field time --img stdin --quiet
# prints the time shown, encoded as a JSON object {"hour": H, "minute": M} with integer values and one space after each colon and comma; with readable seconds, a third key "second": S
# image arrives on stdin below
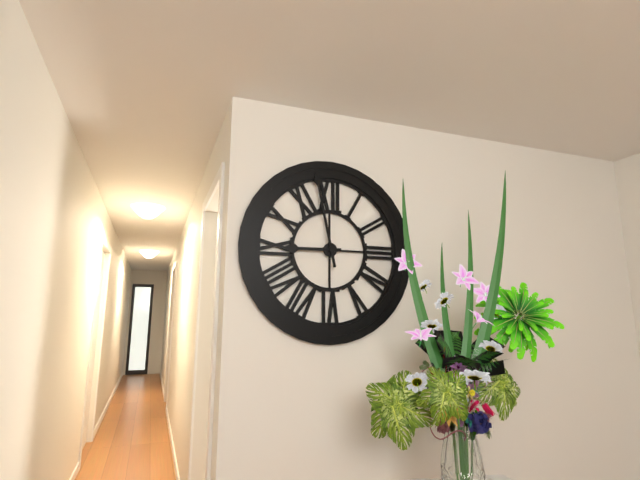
{"hour": 8, "minute": 58}
